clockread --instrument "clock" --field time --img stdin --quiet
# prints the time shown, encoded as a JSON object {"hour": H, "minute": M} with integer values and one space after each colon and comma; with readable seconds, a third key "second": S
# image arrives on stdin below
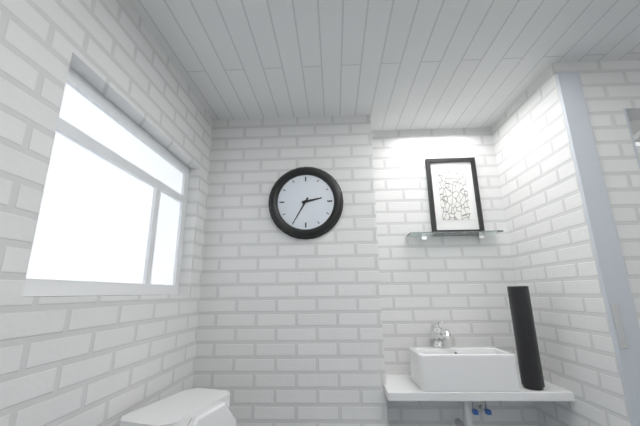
{"hour": 2, "minute": 35}
